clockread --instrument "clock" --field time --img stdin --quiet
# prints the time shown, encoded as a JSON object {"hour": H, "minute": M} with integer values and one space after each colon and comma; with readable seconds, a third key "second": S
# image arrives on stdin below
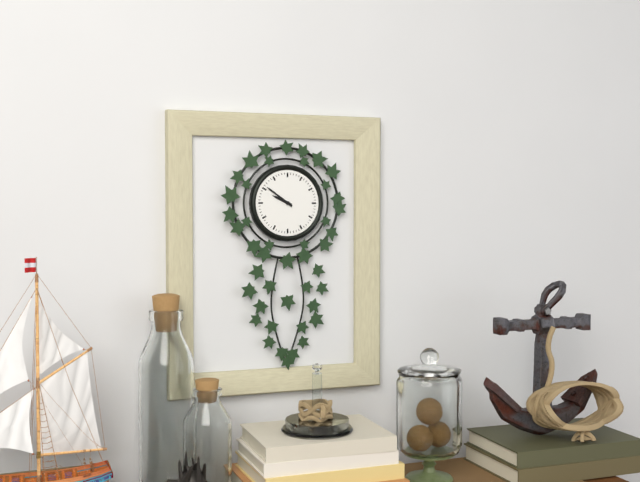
{"hour": 9, "minute": 51}
